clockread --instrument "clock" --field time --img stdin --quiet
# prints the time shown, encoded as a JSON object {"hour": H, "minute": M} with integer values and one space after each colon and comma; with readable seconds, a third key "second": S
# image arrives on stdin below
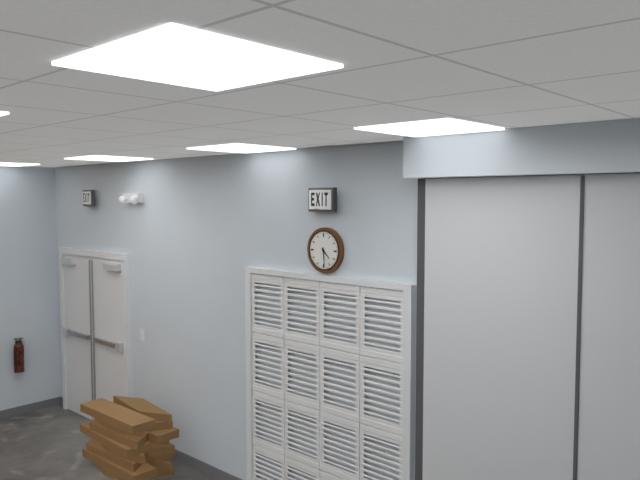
{"hour": 4, "minute": 29}
